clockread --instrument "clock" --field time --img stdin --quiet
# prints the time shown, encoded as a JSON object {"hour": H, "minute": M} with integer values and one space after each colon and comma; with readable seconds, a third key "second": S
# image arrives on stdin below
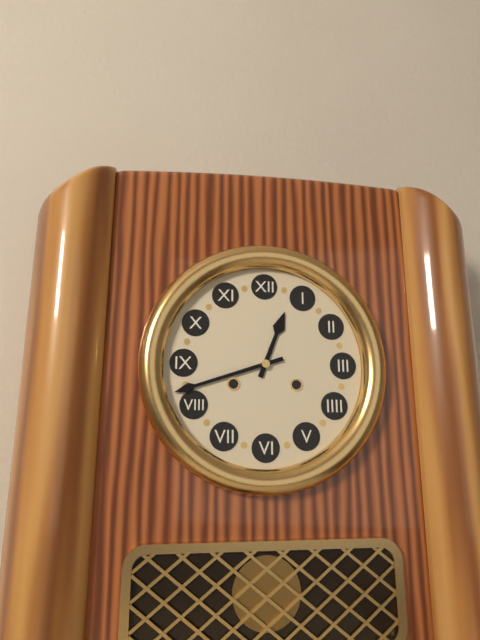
{"hour": 12, "minute": 42}
